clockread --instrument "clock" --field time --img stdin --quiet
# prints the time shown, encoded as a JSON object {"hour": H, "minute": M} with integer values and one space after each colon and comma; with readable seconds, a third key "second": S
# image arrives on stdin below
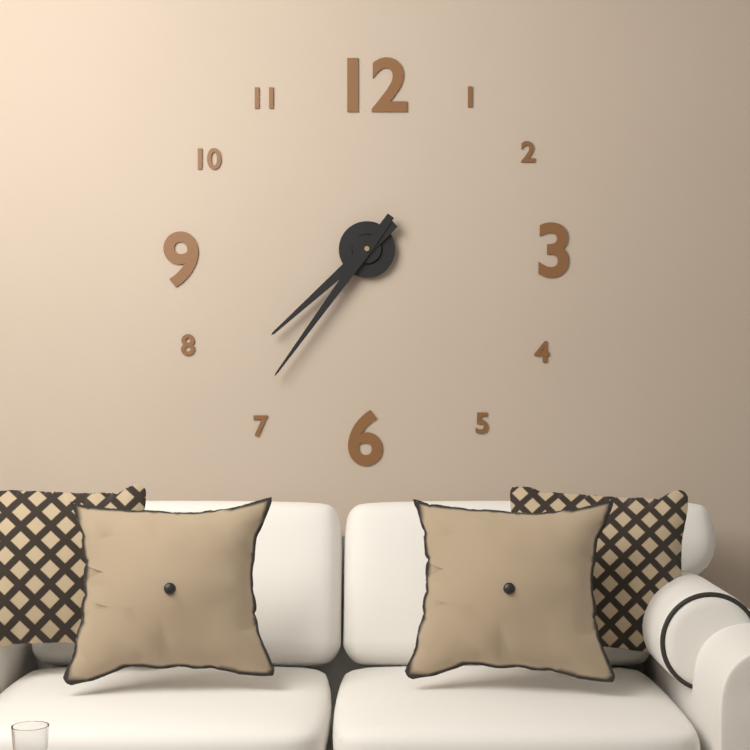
{"hour": 7, "minute": 36}
